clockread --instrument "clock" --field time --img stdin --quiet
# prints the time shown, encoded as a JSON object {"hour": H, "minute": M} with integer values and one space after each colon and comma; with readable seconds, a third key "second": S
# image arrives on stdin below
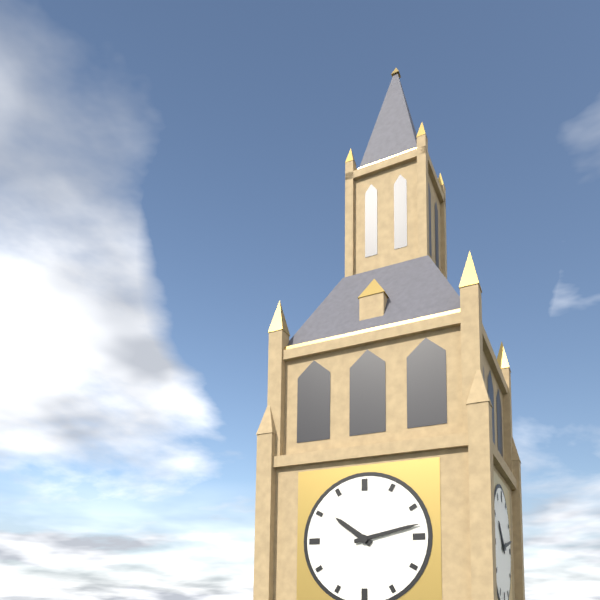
{"hour": 10, "minute": 13}
